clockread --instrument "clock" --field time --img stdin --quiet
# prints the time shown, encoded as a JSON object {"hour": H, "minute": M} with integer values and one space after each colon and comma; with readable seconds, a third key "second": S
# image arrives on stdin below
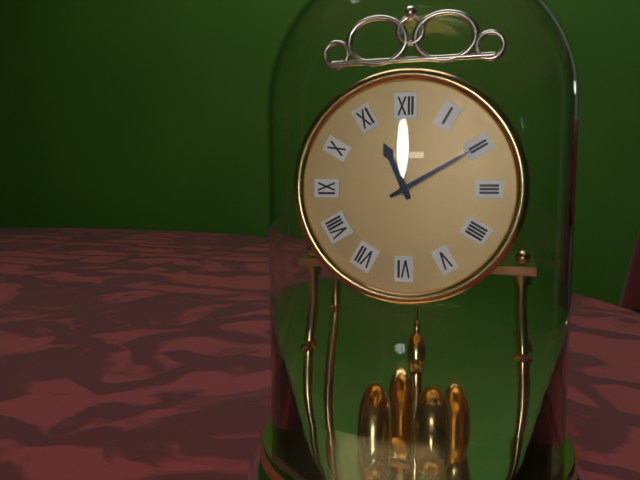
{"hour": 11, "minute": 10}
